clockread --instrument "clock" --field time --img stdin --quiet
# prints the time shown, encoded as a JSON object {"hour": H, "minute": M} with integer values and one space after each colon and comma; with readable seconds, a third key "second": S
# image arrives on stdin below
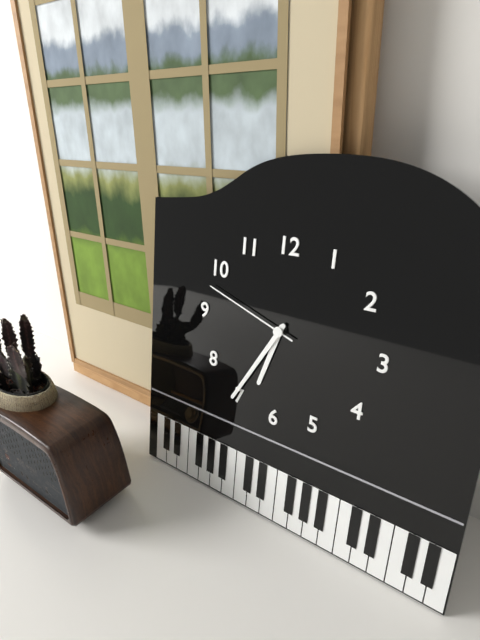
{"hour": 6, "minute": 35, "second": 48}
